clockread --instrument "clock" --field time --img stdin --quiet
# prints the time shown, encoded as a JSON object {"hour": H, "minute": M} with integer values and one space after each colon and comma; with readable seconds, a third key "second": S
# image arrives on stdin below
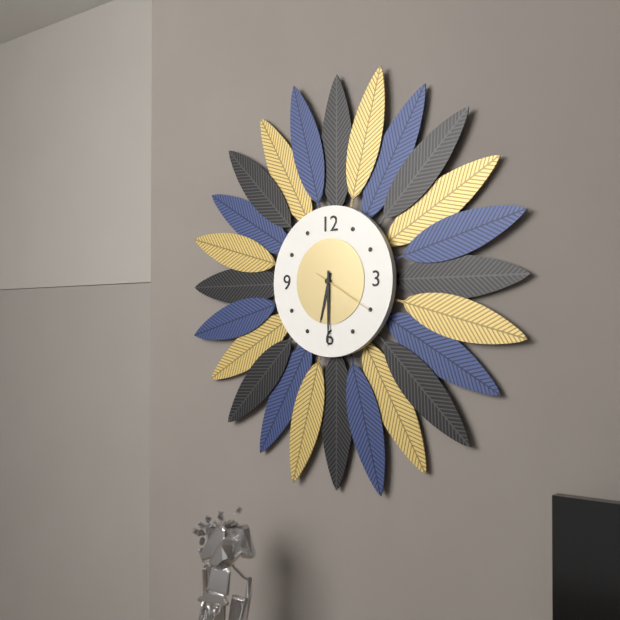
{"hour": 6, "minute": 30, "second": 20}
